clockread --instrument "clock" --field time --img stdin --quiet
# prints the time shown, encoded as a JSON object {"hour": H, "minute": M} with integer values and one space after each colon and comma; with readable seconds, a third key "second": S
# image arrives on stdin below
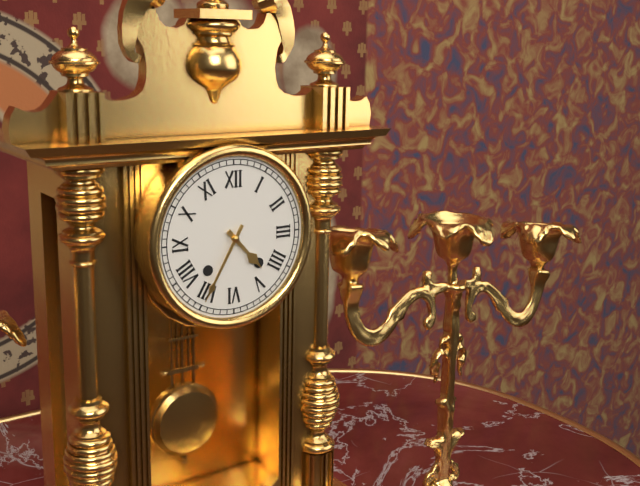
{"hour": 4, "minute": 35}
